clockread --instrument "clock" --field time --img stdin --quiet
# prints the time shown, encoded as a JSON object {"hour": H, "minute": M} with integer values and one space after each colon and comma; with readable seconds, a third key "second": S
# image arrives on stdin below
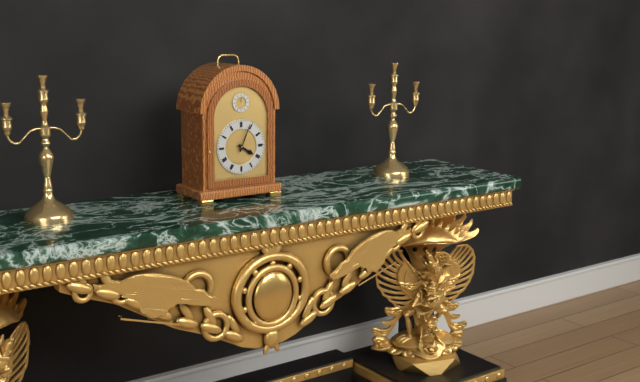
{"hour": 4, "minute": 4}
